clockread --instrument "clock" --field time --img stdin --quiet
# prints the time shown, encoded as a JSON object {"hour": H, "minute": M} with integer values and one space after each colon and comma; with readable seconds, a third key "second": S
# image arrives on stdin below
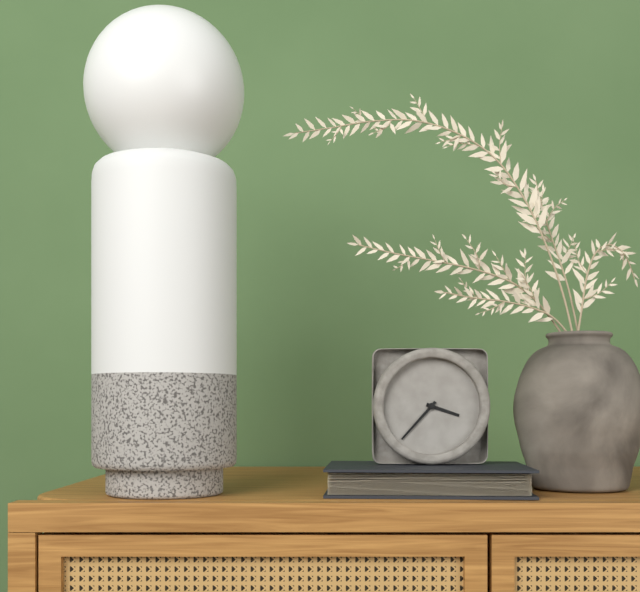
{"hour": 3, "minute": 37}
